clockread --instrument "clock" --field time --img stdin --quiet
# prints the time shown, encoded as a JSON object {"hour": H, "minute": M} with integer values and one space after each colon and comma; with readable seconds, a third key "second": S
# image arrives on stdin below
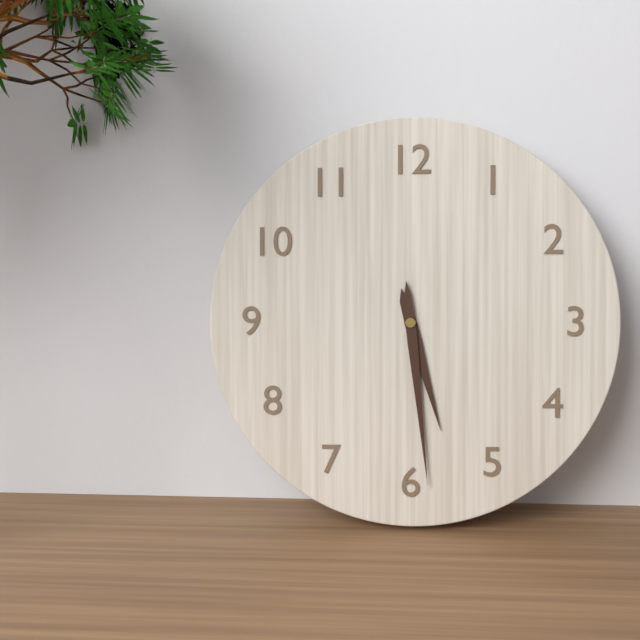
{"hour": 5, "minute": 29}
